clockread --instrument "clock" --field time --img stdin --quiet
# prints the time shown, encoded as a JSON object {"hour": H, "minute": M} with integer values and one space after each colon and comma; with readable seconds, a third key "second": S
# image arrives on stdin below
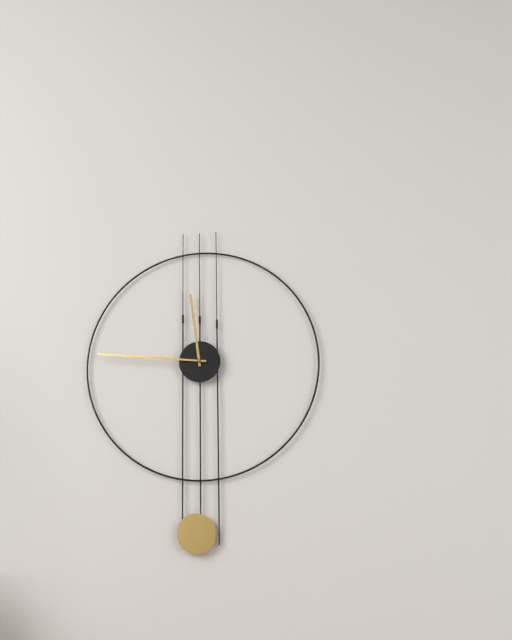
{"hour": 11, "minute": 46}
